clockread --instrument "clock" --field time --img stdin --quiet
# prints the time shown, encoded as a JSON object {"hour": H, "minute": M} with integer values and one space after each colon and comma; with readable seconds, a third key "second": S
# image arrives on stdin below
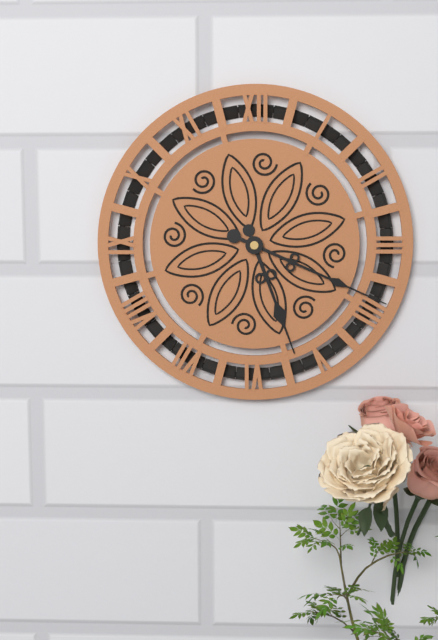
{"hour": 5, "minute": 19}
